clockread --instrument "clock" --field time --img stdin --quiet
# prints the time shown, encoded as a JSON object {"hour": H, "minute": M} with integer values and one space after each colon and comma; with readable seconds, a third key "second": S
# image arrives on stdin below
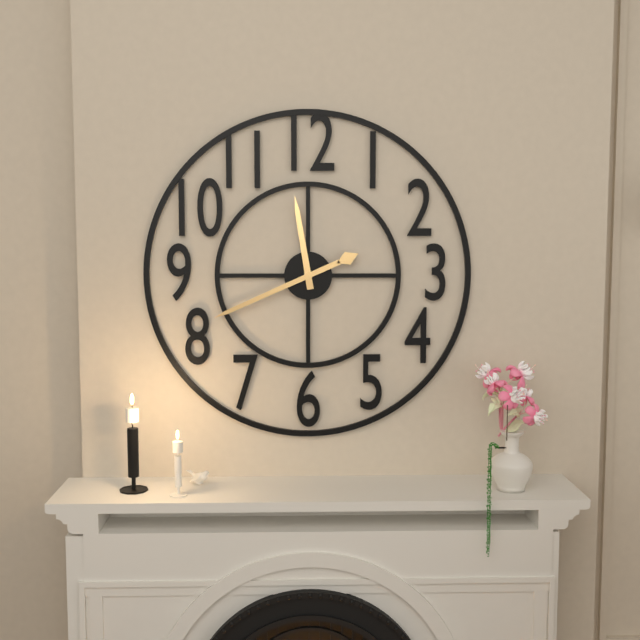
{"hour": 11, "minute": 41}
